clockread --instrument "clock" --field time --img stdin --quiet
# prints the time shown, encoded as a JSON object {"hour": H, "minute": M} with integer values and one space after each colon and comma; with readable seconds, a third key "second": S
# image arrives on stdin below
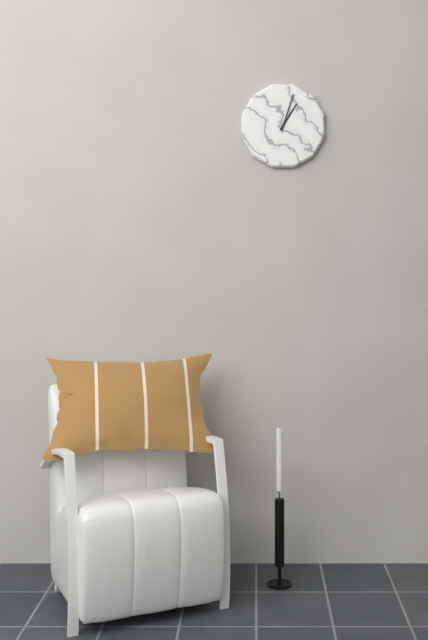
{"hour": 1, "minute": 3}
